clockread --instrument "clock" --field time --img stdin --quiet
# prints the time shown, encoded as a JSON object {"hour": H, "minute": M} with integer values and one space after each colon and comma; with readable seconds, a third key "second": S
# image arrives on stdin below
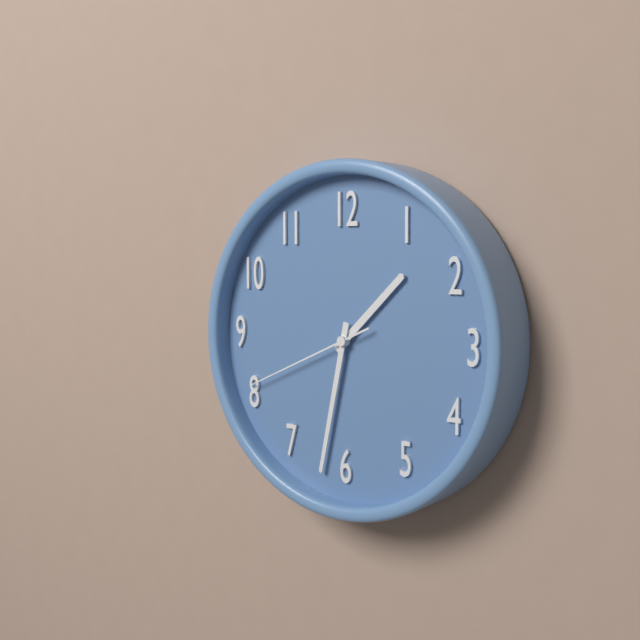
{"hour": 1, "minute": 32, "second": 41}
